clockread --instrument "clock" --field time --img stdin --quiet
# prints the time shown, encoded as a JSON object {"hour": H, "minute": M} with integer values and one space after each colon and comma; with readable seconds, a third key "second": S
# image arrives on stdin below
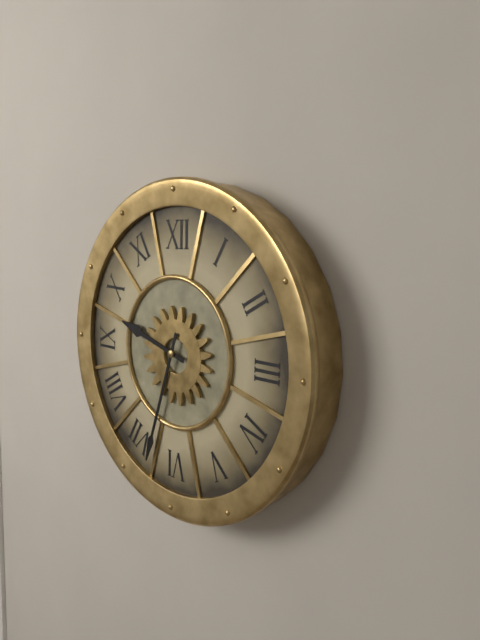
{"hour": 9, "minute": 33}
